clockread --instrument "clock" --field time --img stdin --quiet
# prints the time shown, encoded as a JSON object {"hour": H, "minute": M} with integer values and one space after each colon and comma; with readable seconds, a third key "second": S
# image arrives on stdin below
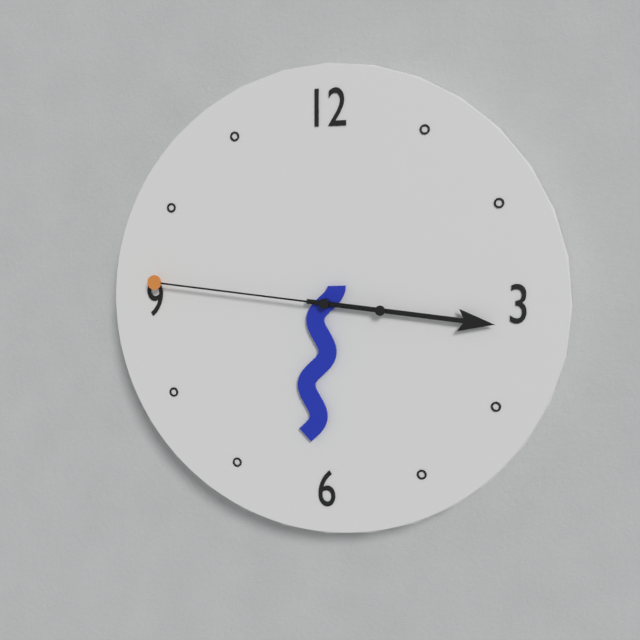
{"hour": 6, "minute": 16, "second": 46}
